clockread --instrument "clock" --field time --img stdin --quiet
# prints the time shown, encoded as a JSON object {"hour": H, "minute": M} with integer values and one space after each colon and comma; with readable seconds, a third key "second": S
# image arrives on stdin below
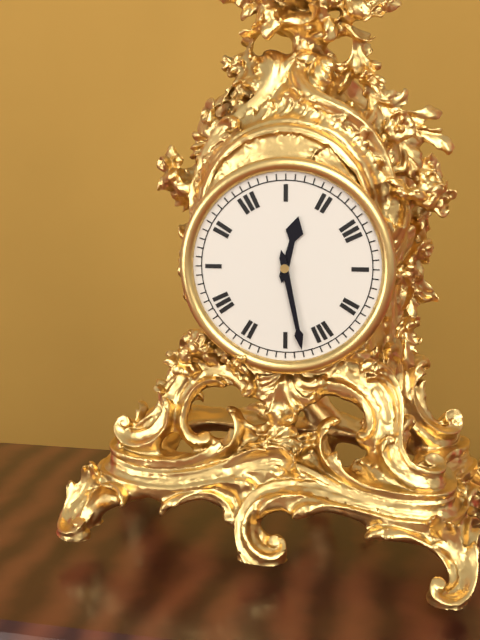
{"hour": 12, "minute": 28}
